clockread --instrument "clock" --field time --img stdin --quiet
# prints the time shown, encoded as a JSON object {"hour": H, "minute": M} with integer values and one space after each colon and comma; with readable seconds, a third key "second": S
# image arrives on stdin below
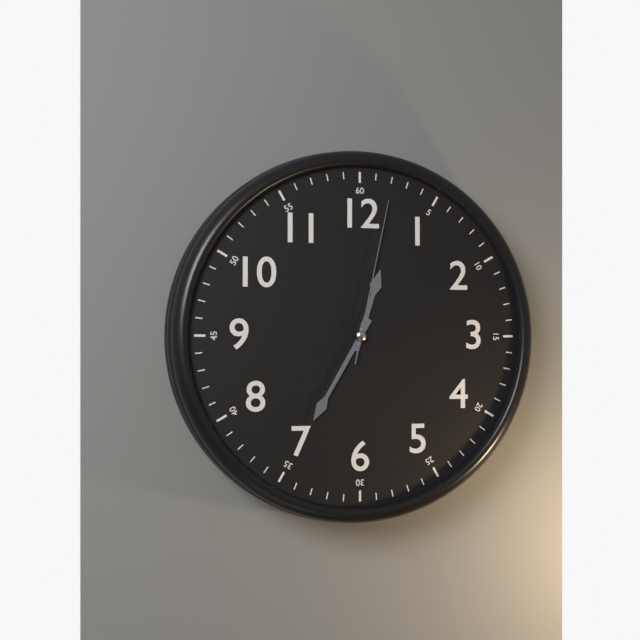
{"hour": 12, "minute": 35, "second": 2}
